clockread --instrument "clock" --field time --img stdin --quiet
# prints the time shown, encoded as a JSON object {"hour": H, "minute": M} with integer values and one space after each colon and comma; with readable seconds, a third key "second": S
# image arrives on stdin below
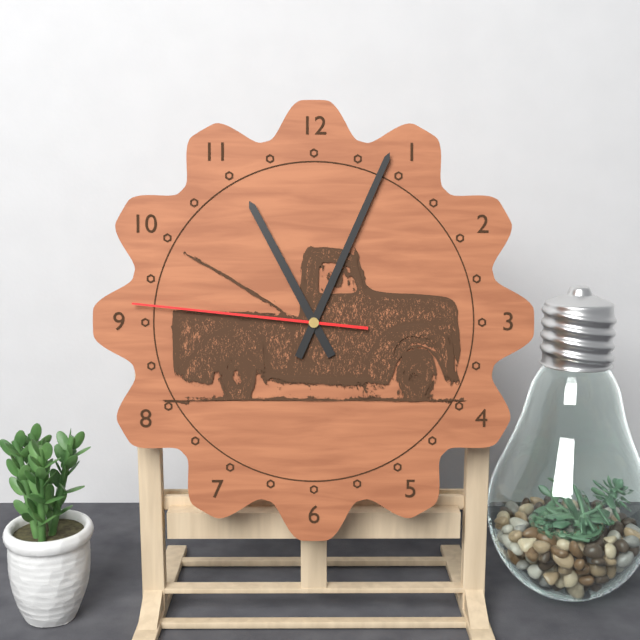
{"hour": 11, "minute": 4, "second": 46}
